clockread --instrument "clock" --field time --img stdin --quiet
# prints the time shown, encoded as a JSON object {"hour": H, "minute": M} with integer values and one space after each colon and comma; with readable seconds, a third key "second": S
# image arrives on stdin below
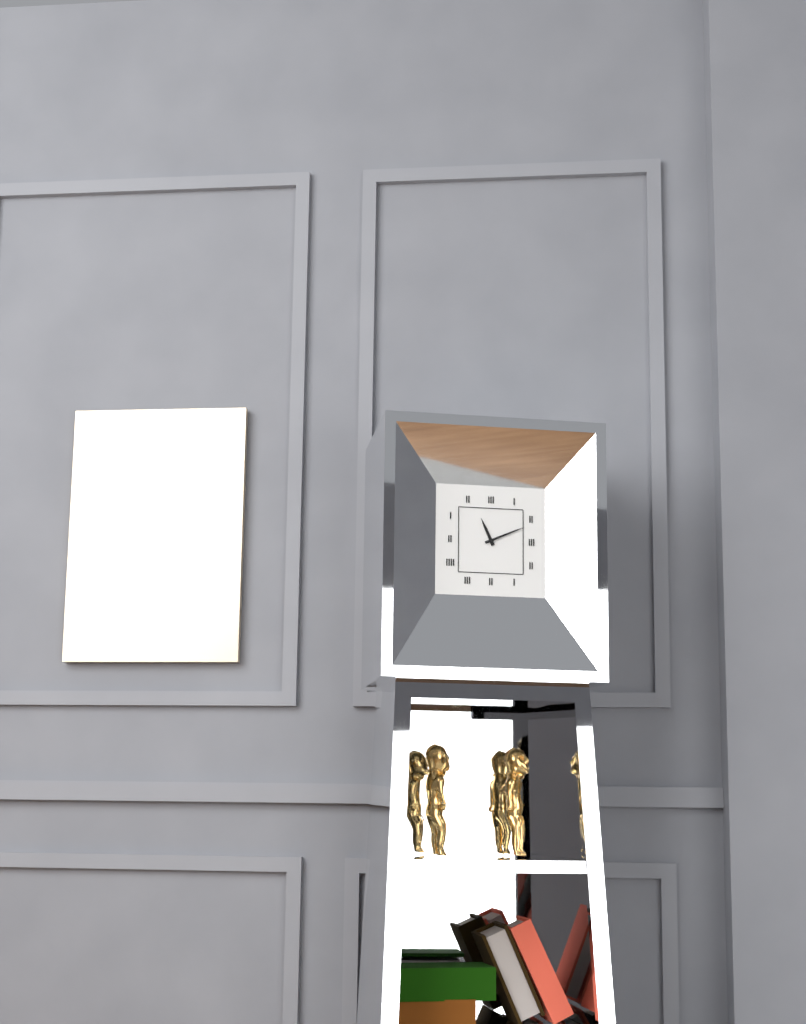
{"hour": 11, "minute": 11}
